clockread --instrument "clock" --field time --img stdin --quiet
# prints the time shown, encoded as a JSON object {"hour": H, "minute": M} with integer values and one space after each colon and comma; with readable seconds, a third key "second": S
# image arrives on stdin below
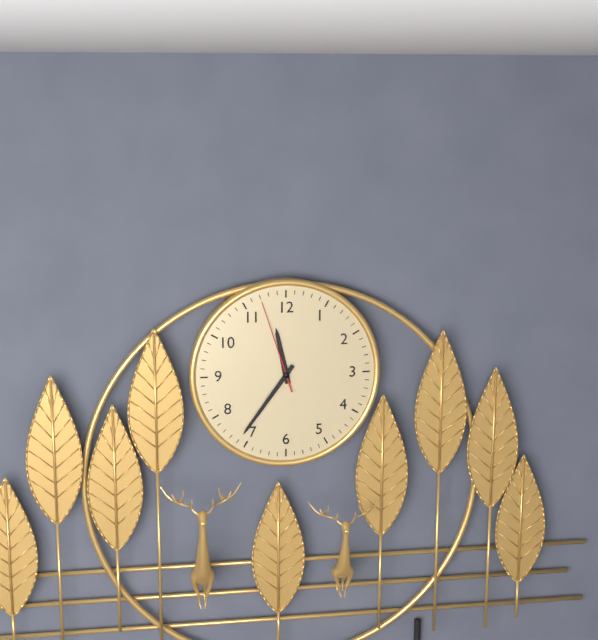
{"hour": 11, "minute": 36, "second": 57}
